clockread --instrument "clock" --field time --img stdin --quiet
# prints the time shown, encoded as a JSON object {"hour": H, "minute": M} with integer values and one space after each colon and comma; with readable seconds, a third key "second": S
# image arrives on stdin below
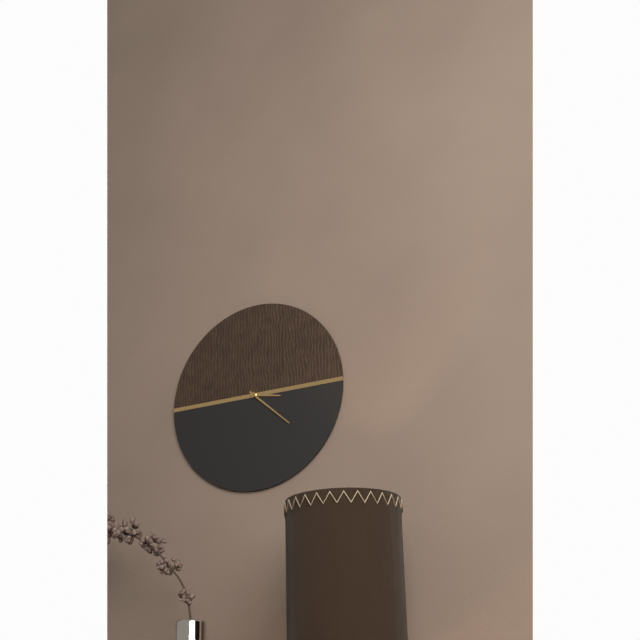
{"hour": 3, "minute": 22}
